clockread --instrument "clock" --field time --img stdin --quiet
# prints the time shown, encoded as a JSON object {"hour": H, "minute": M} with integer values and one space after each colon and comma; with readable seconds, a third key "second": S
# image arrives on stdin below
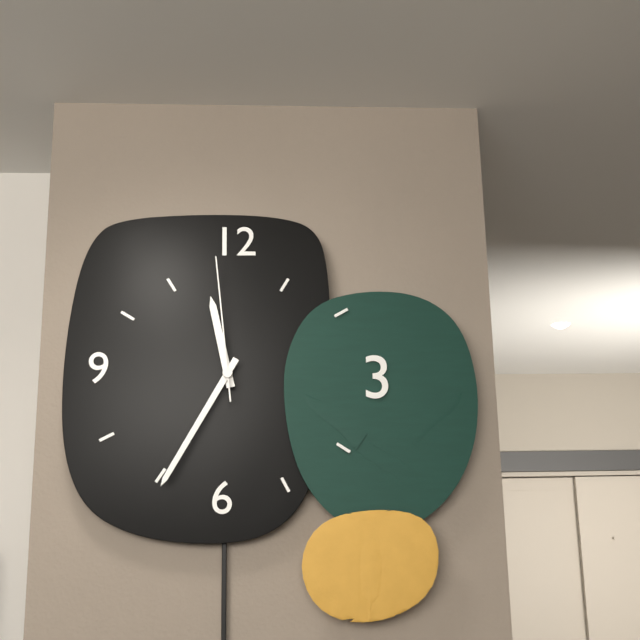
{"hour": 11, "minute": 35, "second": 59}
